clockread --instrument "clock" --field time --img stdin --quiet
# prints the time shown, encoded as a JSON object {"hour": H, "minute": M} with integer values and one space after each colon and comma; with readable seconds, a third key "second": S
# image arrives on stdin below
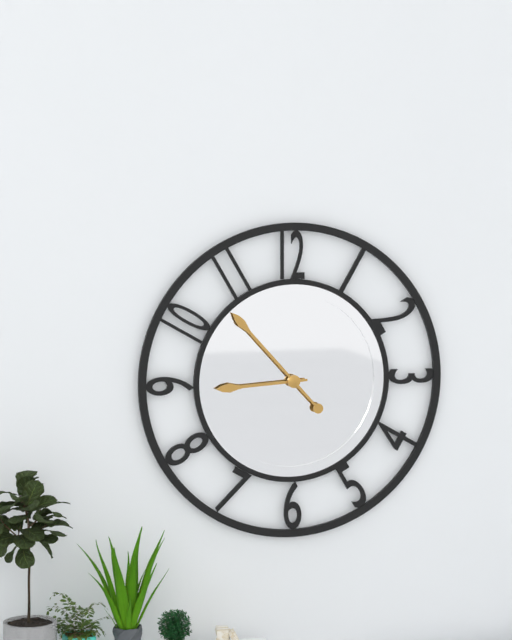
{"hour": 8, "minute": 53}
